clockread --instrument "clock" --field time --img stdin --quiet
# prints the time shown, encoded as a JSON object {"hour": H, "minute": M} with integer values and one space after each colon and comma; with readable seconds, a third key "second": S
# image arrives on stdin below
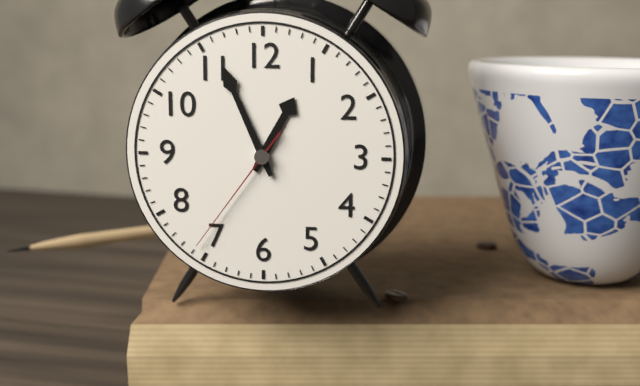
{"hour": 12, "minute": 56, "second": 36}
